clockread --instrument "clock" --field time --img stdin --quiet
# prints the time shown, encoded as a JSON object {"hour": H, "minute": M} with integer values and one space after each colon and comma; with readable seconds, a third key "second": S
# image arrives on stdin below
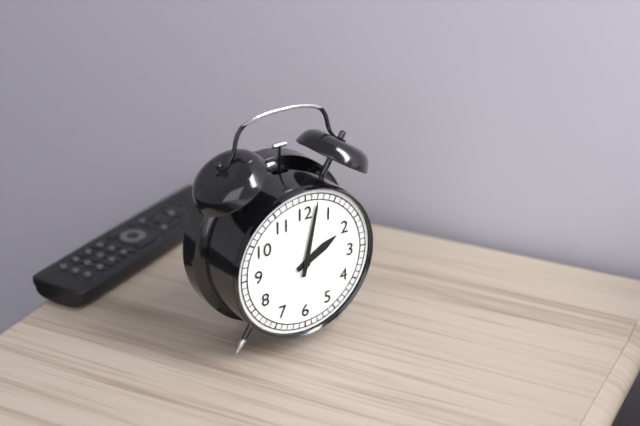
{"hour": 2, "minute": 2}
